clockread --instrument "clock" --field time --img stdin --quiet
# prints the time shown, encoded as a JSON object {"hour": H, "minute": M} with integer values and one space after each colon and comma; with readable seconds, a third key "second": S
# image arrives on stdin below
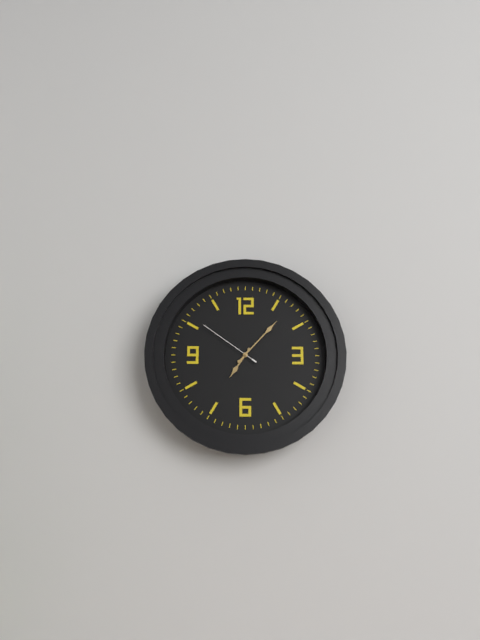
{"hour": 7, "minute": 7, "second": 51}
